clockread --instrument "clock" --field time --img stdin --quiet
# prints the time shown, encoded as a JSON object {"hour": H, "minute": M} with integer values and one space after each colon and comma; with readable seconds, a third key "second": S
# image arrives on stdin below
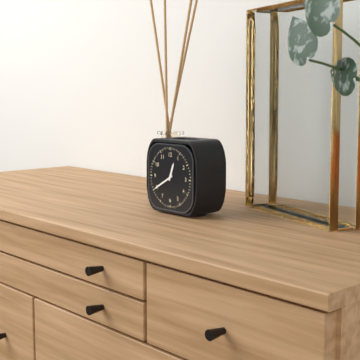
{"hour": 12, "minute": 40}
